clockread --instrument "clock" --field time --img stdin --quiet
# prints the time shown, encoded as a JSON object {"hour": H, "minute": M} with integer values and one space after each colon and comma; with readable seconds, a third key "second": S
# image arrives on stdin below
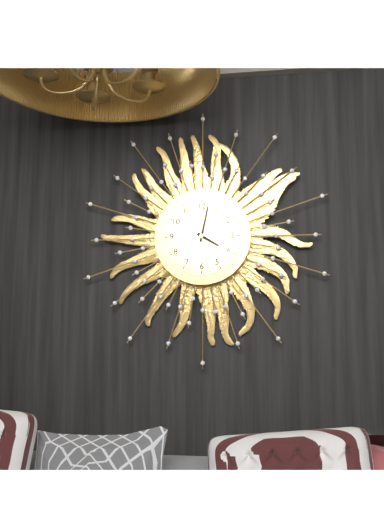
{"hour": 4, "minute": 2}
